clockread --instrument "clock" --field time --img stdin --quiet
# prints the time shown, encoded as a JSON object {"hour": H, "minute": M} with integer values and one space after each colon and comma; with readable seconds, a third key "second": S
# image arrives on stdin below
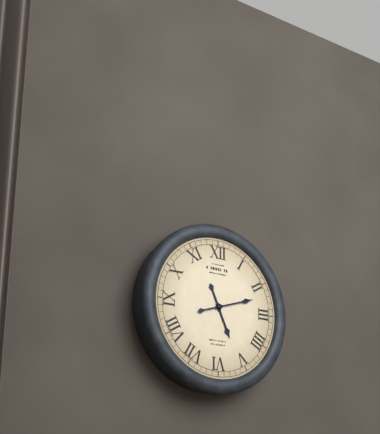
{"hour": 5, "minute": 12}
